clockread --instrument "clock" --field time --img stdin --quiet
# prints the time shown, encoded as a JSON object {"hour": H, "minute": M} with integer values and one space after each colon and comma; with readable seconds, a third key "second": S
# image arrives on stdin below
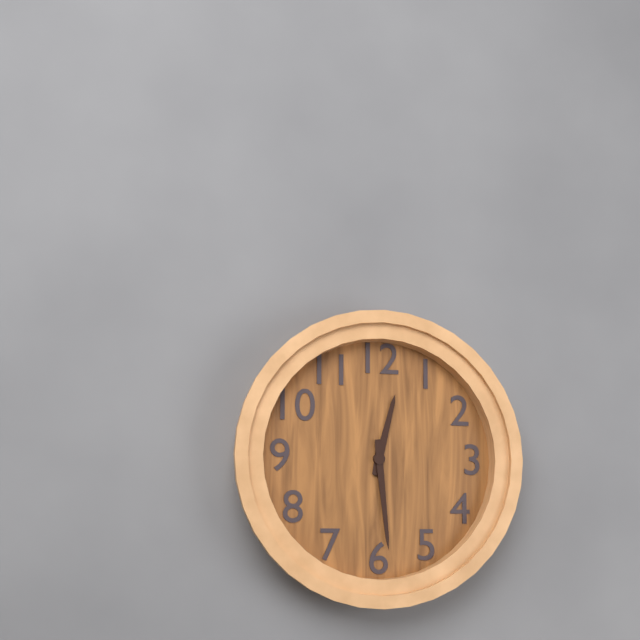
{"hour": 12, "minute": 29}
